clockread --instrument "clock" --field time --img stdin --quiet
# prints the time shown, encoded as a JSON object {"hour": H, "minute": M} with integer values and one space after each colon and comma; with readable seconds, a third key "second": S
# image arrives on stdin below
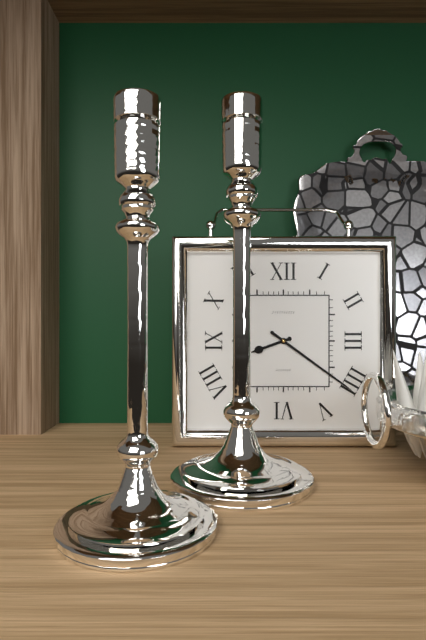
{"hour": 8, "minute": 21}
